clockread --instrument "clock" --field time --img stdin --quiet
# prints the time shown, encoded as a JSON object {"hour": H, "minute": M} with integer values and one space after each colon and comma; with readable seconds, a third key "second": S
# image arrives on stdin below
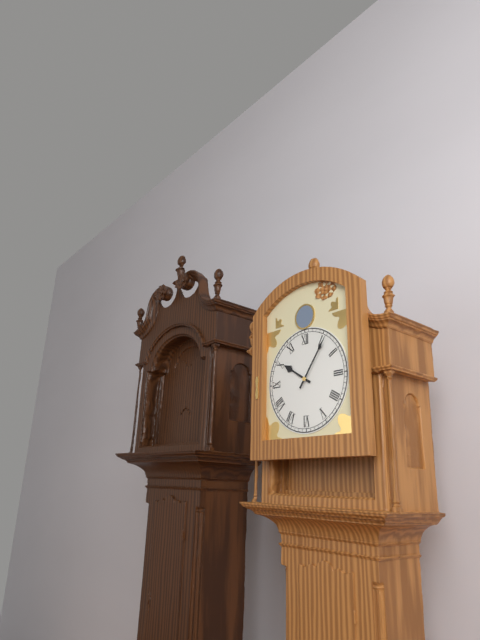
{"hour": 10, "minute": 6}
